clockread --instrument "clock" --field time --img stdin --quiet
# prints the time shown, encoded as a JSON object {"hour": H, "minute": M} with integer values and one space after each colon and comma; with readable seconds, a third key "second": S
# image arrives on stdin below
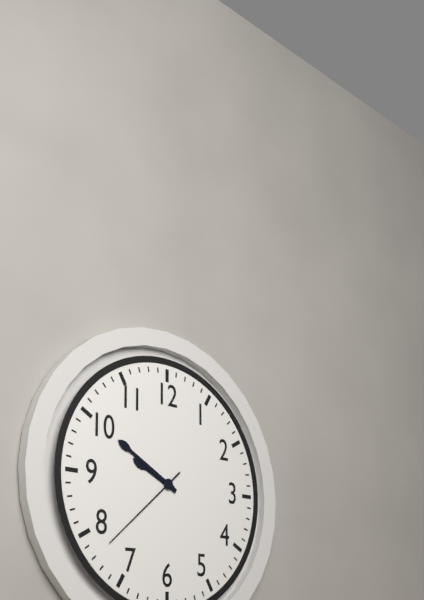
{"hour": 9, "minute": 50, "second": 38}
